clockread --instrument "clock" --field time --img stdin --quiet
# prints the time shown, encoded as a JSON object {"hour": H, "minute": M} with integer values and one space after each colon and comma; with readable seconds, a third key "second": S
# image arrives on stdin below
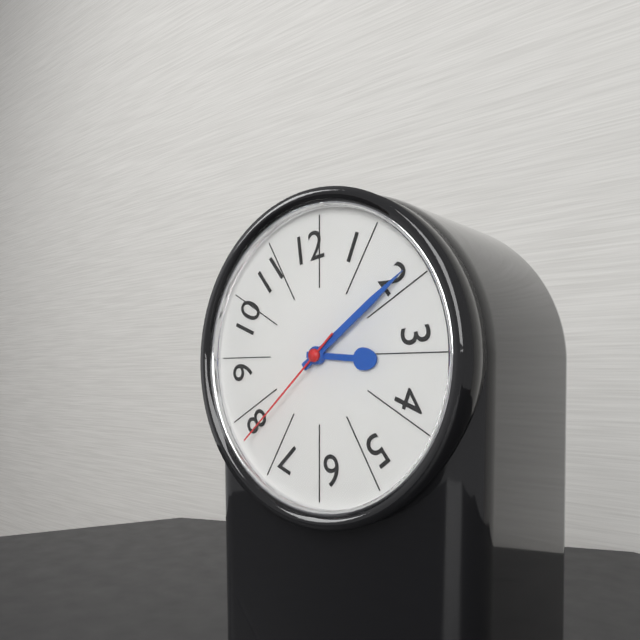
{"hour": 3, "minute": 9, "second": 38}
